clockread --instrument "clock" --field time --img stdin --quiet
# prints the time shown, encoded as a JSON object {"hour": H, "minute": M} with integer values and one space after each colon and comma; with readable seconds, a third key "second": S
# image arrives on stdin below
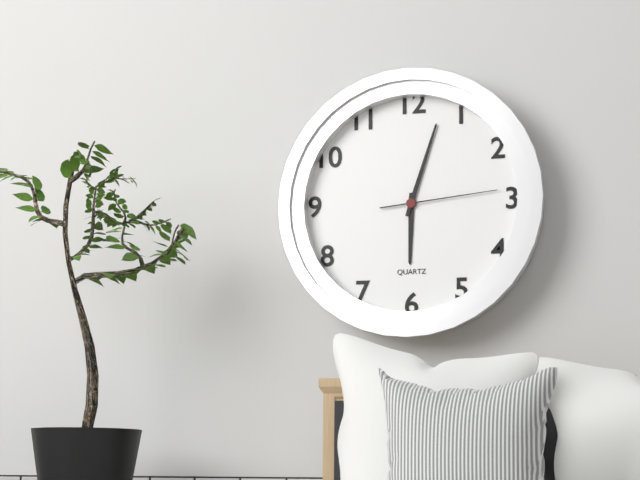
{"hour": 6, "minute": 3, "second": 14}
